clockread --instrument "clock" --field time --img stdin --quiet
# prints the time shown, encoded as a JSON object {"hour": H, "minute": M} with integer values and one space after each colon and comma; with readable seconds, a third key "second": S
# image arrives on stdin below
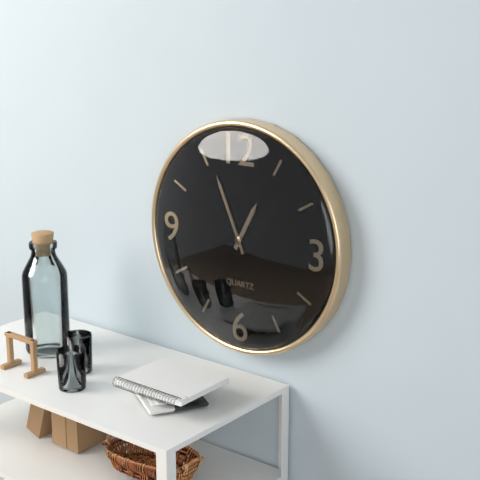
{"hour": 12, "minute": 56}
